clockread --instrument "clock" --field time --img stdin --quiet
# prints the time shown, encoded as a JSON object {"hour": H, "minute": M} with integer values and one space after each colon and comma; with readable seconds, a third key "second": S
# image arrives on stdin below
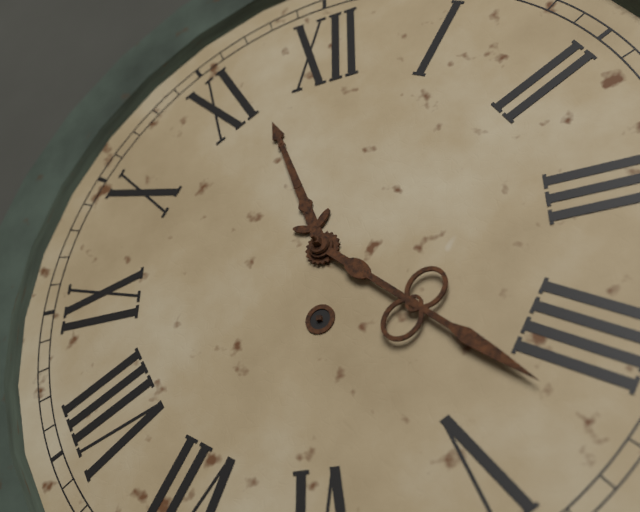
{"hour": 11, "minute": 22}
